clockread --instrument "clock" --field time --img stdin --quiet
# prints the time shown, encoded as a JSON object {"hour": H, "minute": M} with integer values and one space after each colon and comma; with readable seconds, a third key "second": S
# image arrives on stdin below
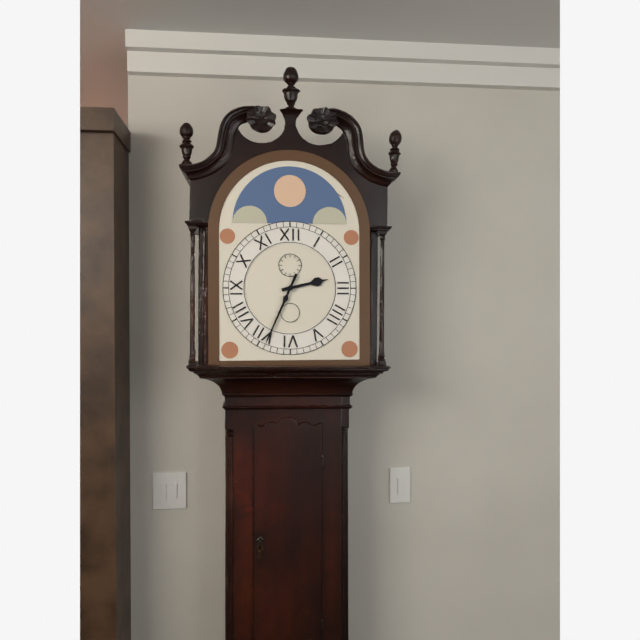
{"hour": 2, "minute": 34}
